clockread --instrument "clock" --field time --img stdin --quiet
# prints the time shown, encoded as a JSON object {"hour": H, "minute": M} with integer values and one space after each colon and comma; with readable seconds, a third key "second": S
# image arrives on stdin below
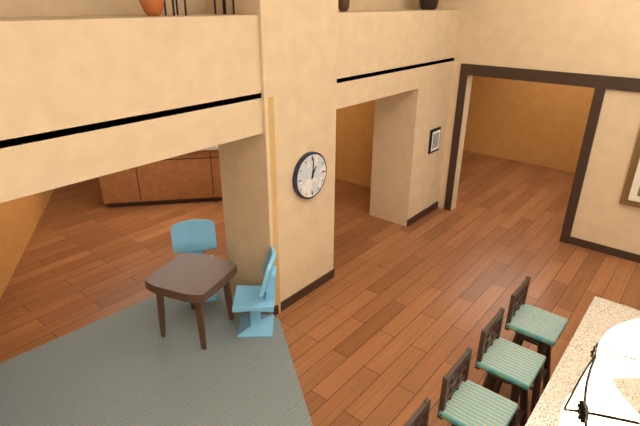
{"hour": 1, "minute": 1}
